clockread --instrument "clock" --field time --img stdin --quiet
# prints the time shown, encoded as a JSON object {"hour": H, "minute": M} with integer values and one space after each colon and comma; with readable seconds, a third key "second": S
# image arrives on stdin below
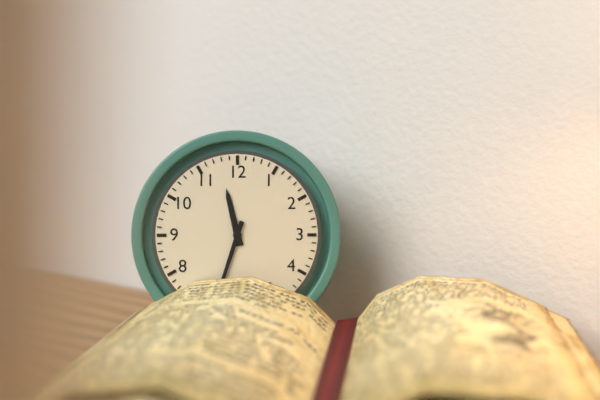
{"hour": 11, "minute": 33}
